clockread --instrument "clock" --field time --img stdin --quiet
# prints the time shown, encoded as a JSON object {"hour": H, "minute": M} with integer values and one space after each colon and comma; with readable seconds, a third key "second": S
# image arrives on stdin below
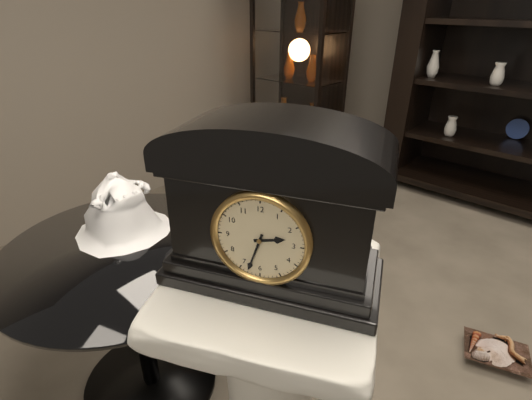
{"hour": 2, "minute": 33}
